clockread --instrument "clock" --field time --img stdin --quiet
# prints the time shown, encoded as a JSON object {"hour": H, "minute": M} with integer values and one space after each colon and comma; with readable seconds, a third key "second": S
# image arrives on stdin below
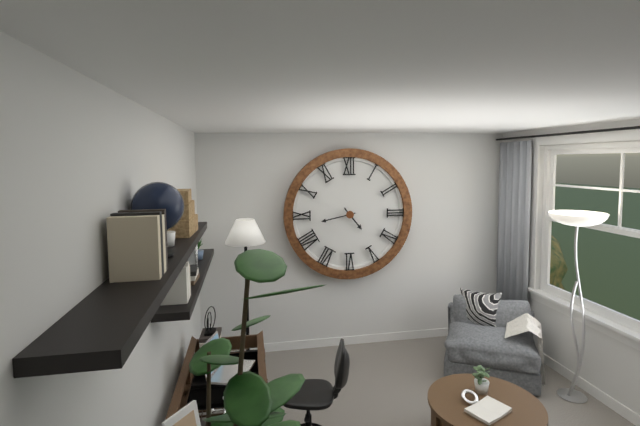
{"hour": 4, "minute": 43}
